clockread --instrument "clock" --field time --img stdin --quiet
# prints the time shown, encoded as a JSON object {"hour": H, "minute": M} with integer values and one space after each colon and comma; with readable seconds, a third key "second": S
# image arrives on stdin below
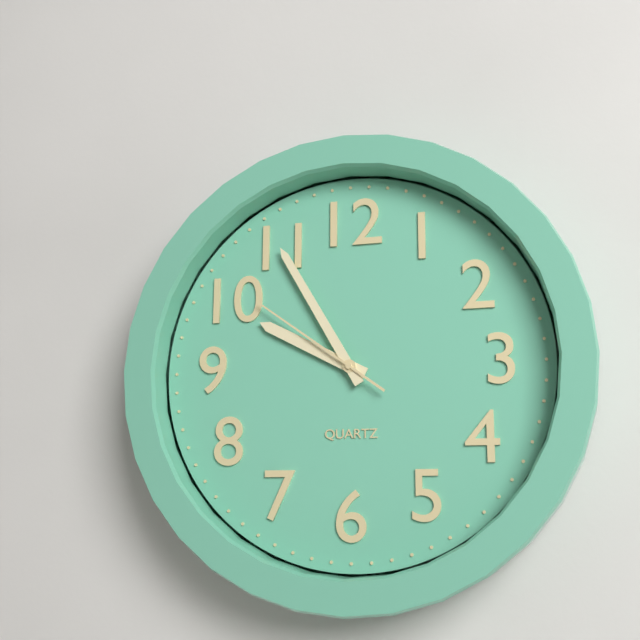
{"hour": 9, "minute": 55, "second": 51}
